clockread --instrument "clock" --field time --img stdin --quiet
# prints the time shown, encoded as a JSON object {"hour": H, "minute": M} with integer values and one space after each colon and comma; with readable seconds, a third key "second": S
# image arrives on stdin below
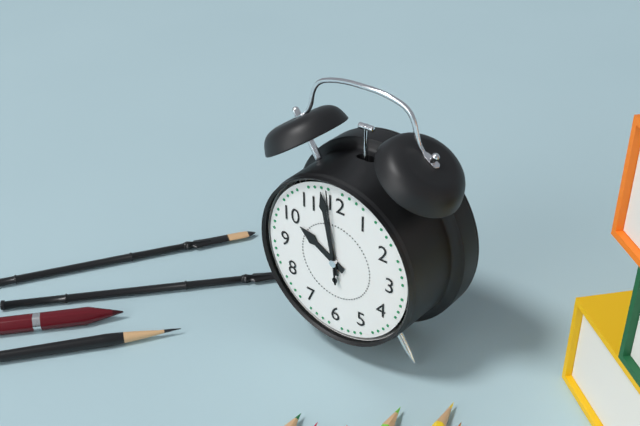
{"hour": 9, "minute": 58, "second": 59}
